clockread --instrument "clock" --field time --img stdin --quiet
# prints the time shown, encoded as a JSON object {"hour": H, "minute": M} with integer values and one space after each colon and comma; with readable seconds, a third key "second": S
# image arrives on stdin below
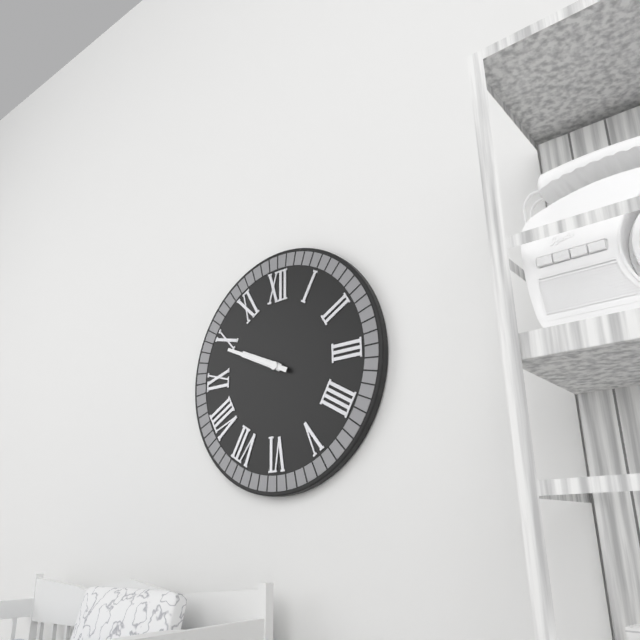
{"hour": 9, "minute": 49}
